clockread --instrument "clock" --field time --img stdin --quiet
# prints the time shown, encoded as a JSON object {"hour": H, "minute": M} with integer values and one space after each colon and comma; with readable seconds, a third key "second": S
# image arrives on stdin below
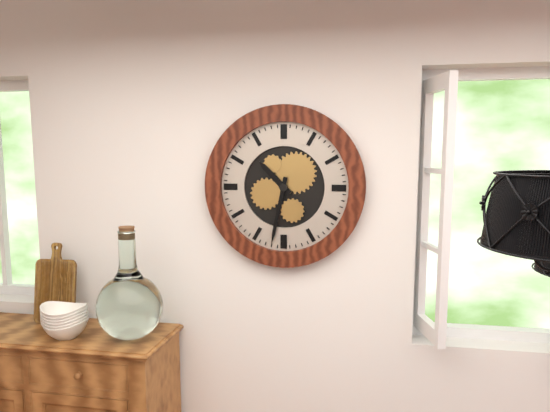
{"hour": 10, "minute": 32}
